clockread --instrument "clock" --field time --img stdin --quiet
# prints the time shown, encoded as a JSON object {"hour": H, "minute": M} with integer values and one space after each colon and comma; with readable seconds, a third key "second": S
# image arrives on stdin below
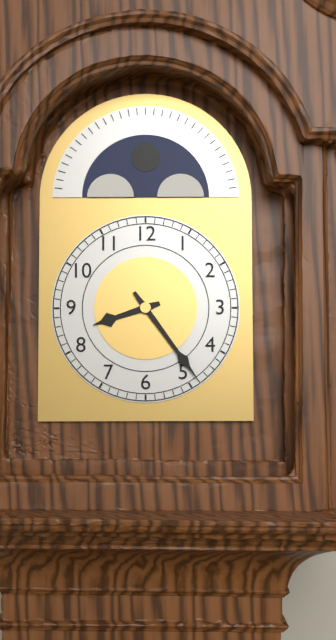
{"hour": 8, "minute": 24}
